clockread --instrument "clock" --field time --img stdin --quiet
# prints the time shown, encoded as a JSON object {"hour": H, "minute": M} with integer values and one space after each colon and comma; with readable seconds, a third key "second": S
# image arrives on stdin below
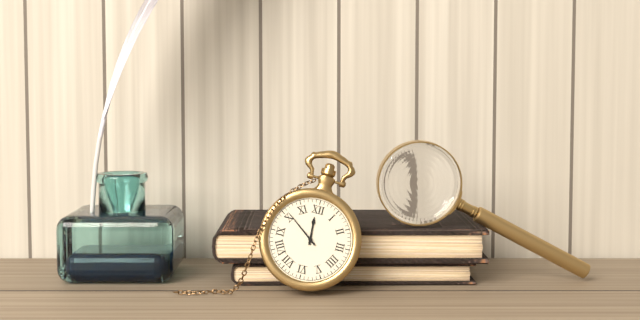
{"hour": 11, "minute": 51}
